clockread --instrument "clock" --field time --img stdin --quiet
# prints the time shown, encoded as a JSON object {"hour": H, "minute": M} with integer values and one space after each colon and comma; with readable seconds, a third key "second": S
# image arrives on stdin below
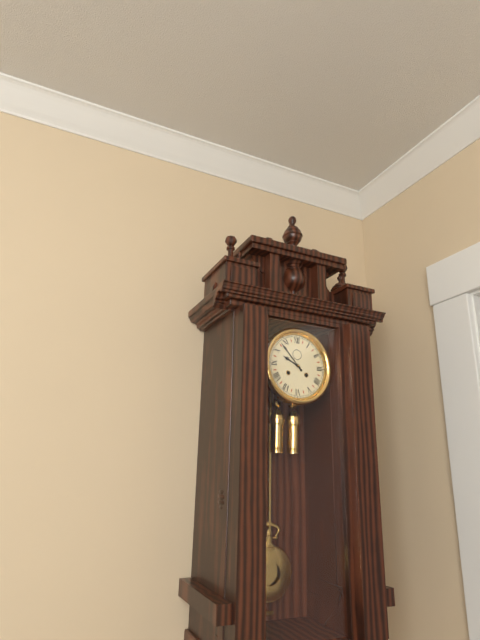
{"hour": 9, "minute": 53}
